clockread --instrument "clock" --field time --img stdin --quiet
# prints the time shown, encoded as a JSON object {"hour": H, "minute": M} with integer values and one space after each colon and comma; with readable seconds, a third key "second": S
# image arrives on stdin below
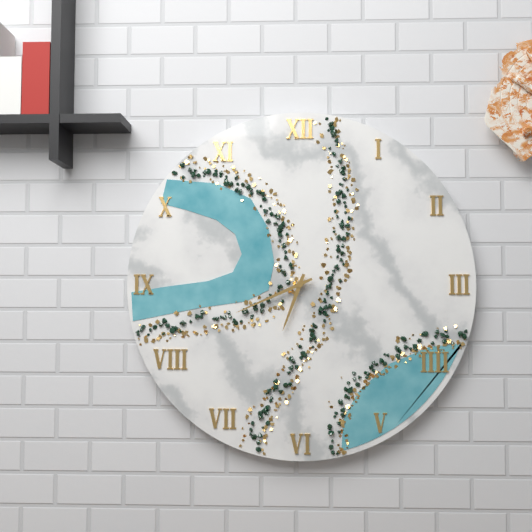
{"hour": 6, "minute": 41}
